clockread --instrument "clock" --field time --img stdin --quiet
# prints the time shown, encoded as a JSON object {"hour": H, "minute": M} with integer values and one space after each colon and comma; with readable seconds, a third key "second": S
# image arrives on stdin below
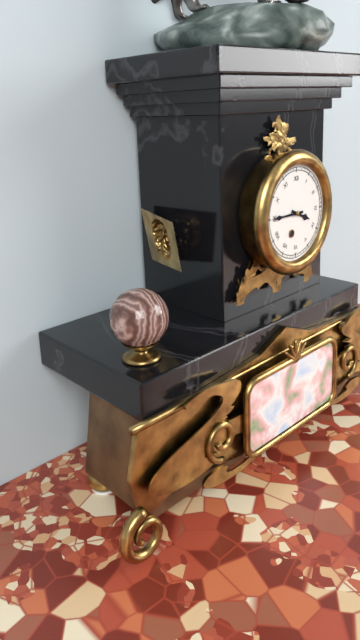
{"hour": 3, "minute": 45}
